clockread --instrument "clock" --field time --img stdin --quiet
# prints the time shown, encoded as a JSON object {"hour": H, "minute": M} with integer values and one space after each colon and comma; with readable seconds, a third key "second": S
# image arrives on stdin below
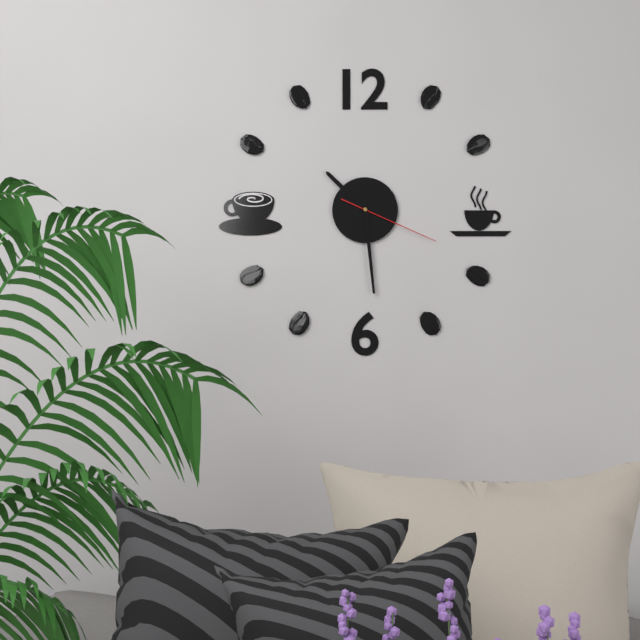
{"hour": 10, "minute": 29, "second": 19}
